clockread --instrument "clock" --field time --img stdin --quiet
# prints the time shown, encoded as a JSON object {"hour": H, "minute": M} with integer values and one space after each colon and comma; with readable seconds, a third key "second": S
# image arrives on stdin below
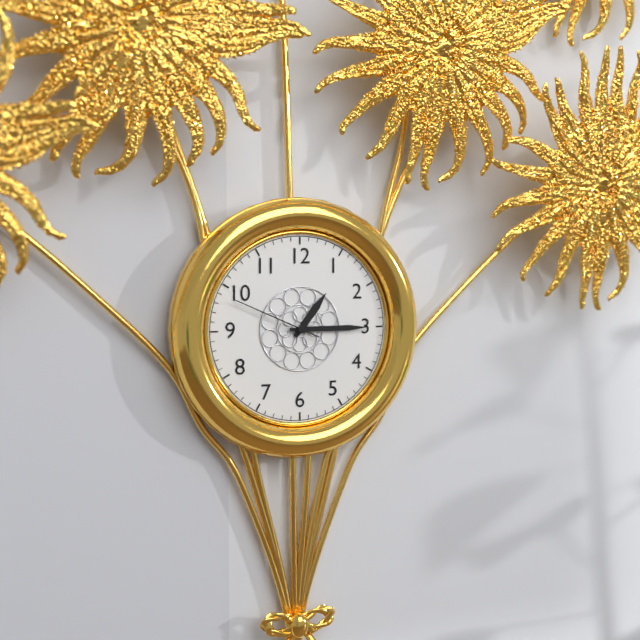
{"hour": 1, "minute": 15, "second": 49}
